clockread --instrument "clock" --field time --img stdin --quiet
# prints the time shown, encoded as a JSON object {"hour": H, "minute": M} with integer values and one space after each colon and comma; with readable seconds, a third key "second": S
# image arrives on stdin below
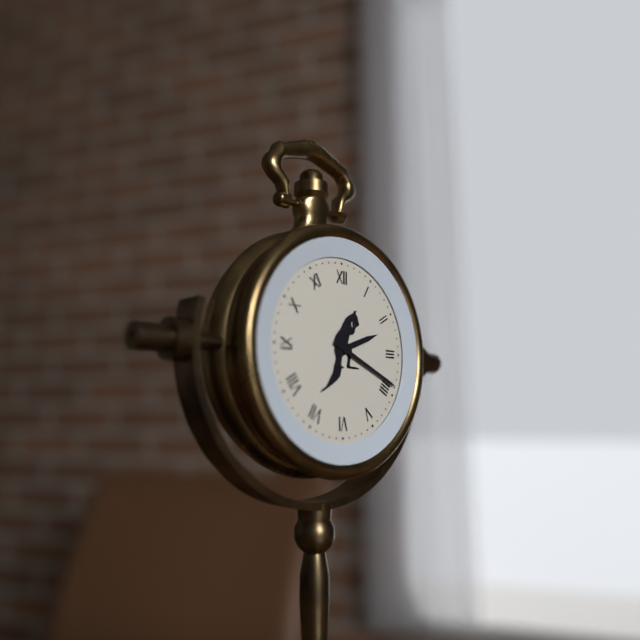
{"hour": 2, "minute": 19}
